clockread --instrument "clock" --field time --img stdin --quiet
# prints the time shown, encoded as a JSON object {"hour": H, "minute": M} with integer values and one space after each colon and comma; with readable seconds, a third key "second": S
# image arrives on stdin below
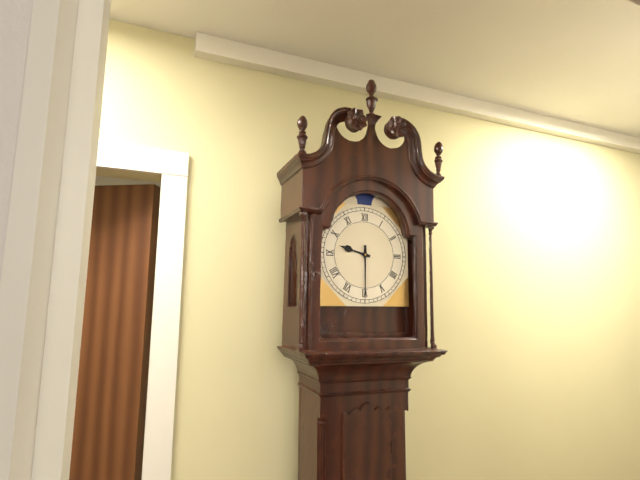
{"hour": 9, "minute": 30}
